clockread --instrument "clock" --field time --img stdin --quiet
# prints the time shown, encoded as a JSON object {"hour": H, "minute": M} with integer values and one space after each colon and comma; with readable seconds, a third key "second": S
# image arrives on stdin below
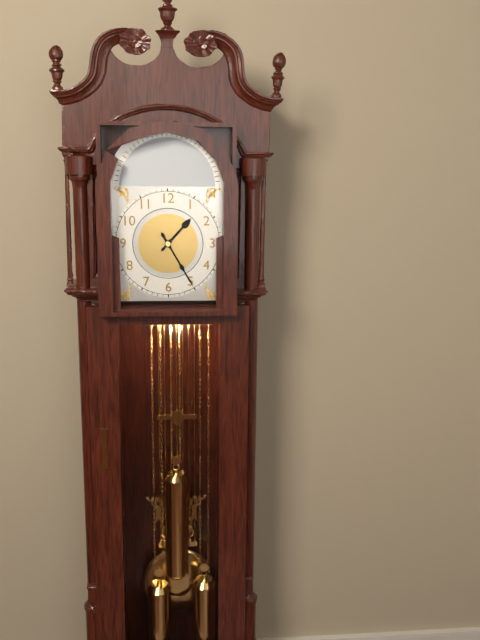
{"hour": 1, "minute": 25}
